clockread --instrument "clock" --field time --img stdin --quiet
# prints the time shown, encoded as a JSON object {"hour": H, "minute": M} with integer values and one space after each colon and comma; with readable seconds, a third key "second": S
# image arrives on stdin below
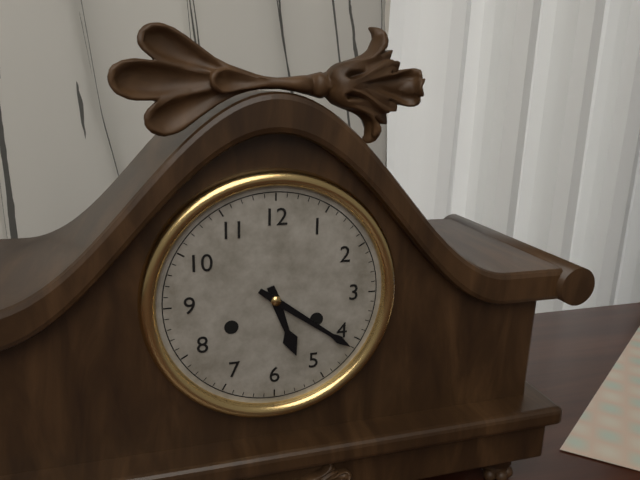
{"hour": 5, "minute": 21}
